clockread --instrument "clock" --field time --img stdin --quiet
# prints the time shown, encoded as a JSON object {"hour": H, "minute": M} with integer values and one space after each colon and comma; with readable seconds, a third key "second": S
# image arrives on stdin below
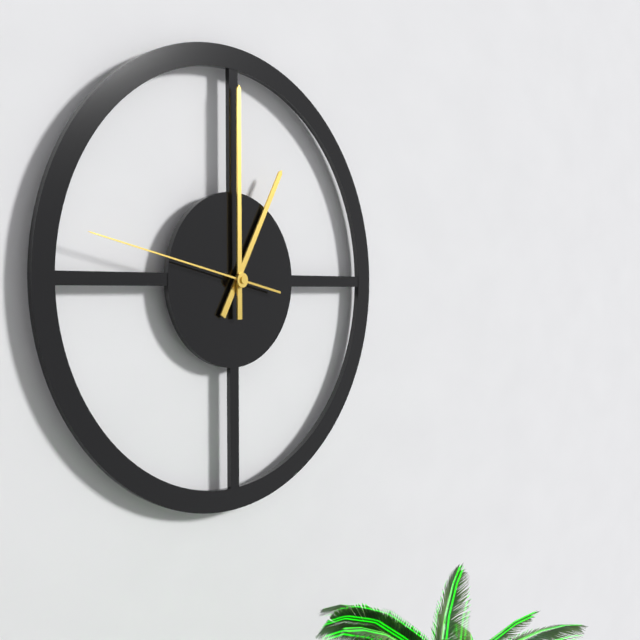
{"hour": 1, "minute": 0, "second": 47}
